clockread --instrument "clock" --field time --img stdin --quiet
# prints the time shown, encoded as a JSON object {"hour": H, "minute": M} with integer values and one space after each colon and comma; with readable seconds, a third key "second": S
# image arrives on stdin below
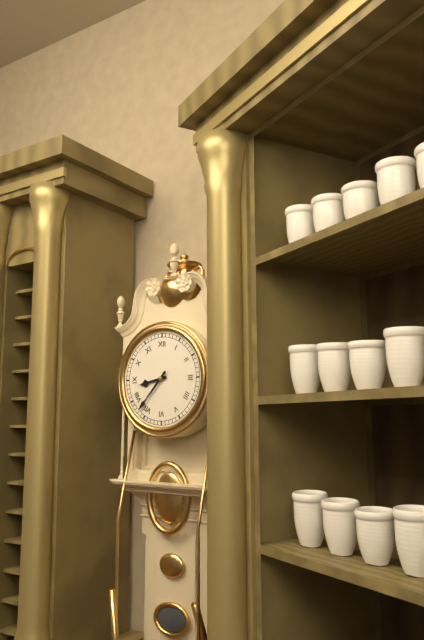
{"hour": 8, "minute": 37}
